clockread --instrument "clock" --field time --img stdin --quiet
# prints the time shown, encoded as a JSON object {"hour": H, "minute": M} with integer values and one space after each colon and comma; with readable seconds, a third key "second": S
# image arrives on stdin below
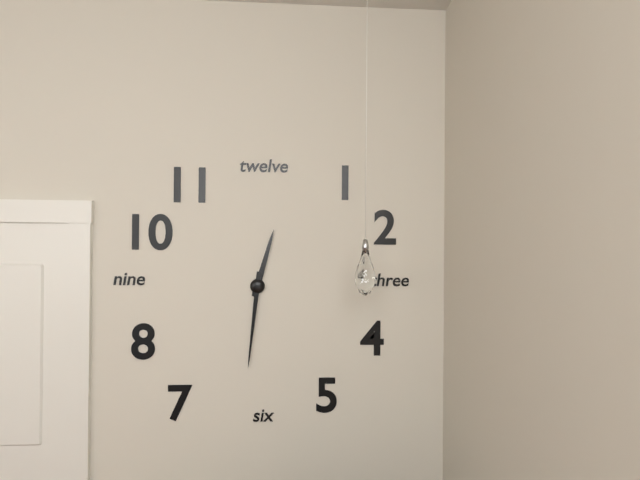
{"hour": 12, "minute": 31}
